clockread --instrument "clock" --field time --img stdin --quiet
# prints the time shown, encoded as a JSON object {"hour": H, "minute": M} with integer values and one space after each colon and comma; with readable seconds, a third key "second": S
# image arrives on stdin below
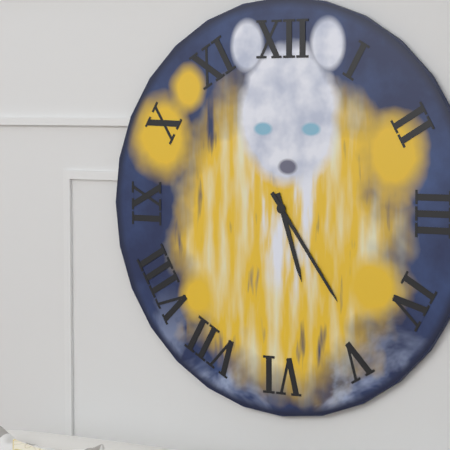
{"hour": 5, "minute": 24}
